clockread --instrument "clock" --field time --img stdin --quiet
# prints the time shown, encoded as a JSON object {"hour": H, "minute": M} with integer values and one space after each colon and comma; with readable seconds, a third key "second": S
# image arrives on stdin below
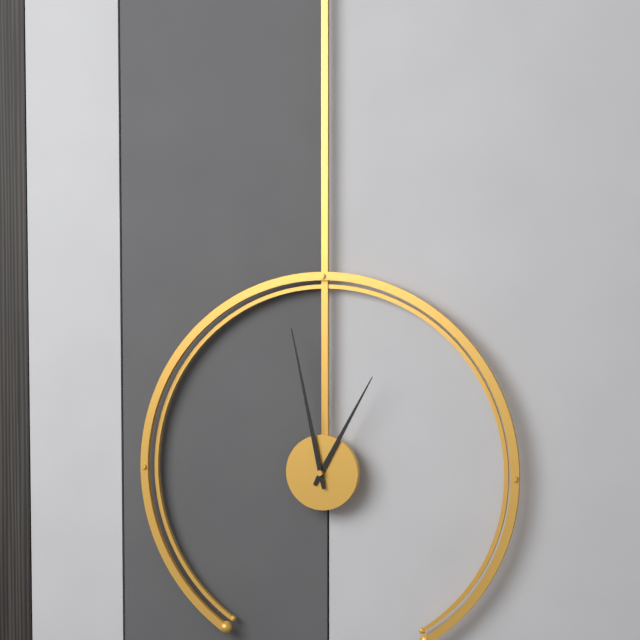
{"hour": 12, "minute": 58}
